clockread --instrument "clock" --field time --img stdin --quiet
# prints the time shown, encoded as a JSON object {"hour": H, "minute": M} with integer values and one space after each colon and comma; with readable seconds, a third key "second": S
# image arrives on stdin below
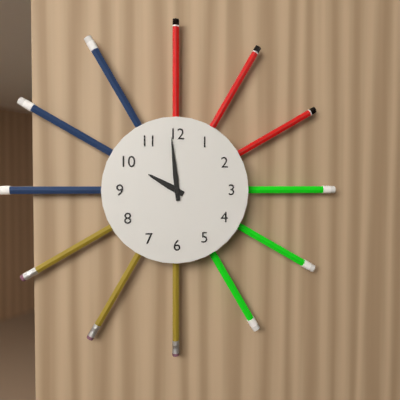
{"hour": 9, "minute": 59}
